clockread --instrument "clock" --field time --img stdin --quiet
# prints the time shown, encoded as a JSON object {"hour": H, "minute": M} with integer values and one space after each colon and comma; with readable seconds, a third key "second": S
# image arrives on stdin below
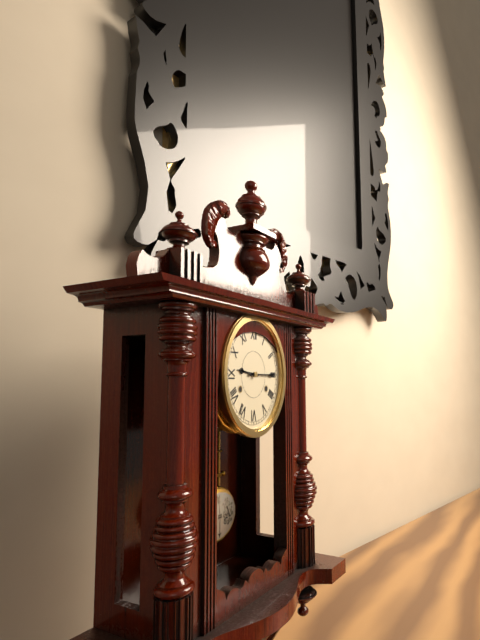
{"hour": 9, "minute": 15}
